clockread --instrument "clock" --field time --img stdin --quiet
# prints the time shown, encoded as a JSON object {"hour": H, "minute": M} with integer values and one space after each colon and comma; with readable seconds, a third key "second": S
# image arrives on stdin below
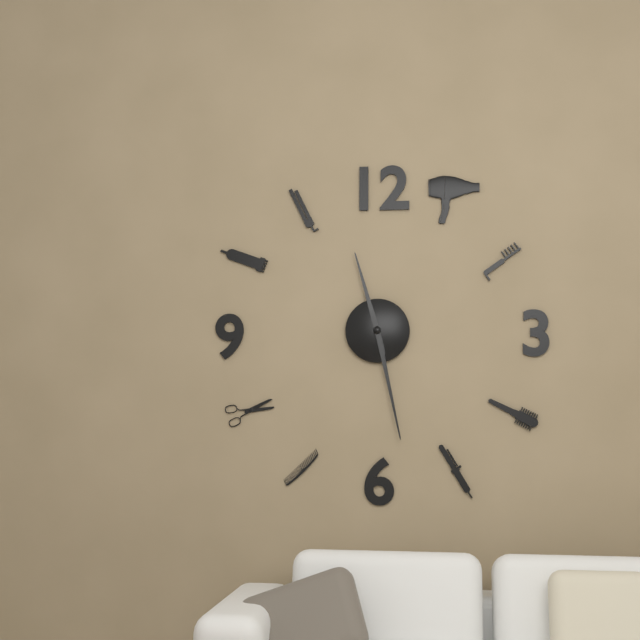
{"hour": 11, "minute": 28}
